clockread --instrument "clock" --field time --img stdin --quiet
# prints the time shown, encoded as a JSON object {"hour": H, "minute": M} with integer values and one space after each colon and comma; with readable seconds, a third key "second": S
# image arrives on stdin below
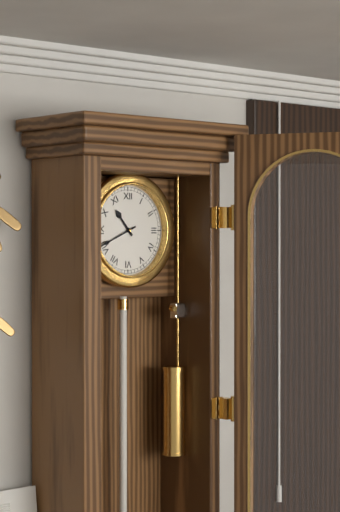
{"hour": 10, "minute": 41}
